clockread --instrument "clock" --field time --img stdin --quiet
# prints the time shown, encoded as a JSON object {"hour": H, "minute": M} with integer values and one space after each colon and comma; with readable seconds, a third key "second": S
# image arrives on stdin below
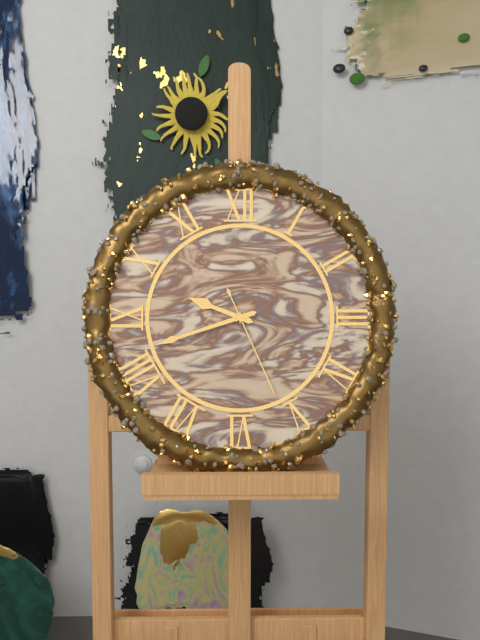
{"hour": 9, "minute": 42, "second": 26}
